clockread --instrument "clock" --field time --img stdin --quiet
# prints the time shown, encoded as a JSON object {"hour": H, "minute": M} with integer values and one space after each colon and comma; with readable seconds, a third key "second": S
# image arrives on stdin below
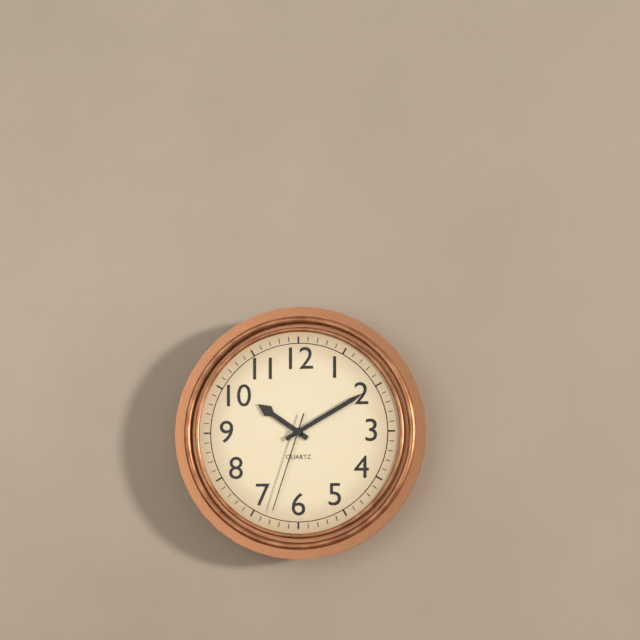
{"hour": 10, "minute": 10, "second": 33}
